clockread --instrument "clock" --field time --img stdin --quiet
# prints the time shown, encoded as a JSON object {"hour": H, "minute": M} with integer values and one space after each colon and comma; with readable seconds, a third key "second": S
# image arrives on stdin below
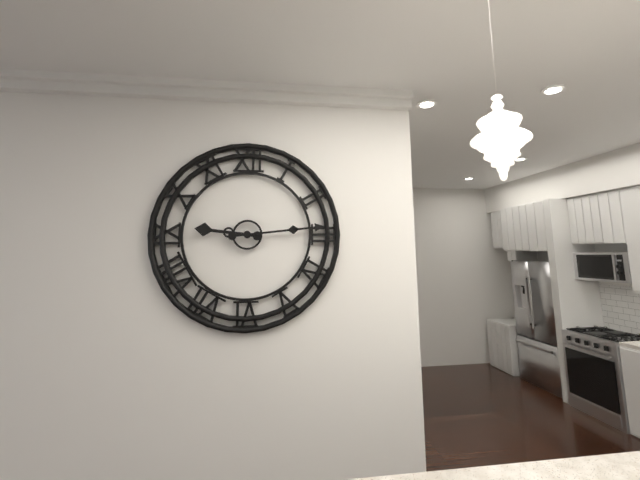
{"hour": 9, "minute": 14}
